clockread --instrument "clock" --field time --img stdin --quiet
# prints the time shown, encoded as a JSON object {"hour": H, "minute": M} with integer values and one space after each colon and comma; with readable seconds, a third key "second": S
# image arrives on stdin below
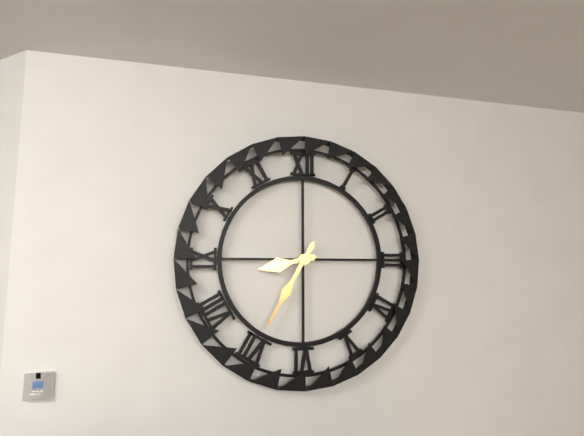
{"hour": 8, "minute": 35}
